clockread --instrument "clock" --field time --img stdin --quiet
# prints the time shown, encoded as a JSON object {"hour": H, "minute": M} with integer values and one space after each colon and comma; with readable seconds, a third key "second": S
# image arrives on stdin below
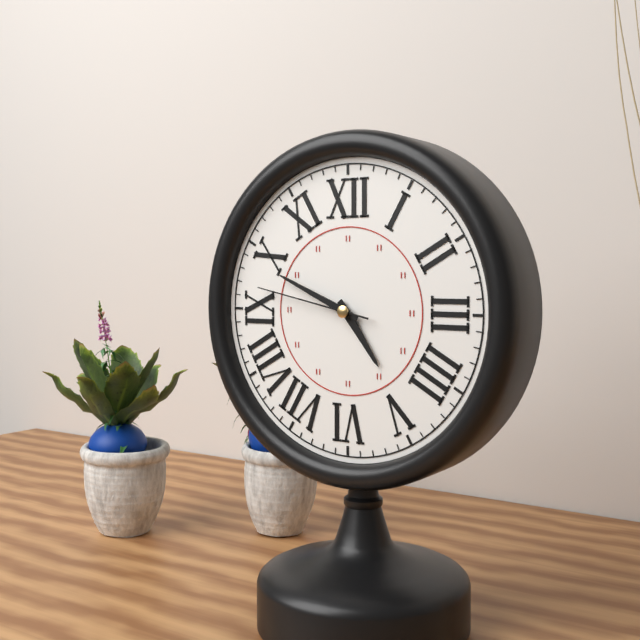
{"hour": 4, "minute": 49, "second": 47}
